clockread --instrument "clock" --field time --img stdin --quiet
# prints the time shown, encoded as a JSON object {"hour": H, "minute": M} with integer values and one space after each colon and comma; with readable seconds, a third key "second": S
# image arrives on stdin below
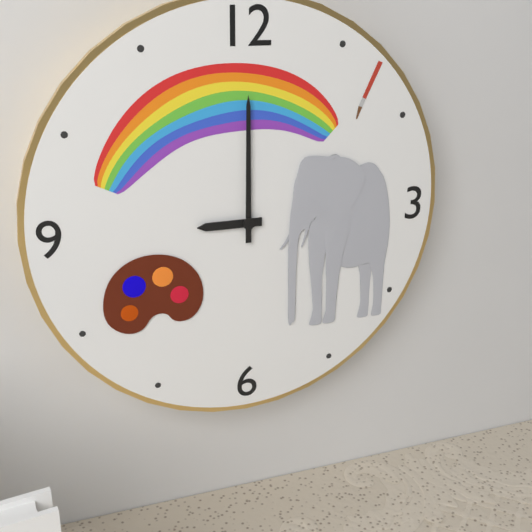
{"hour": 9, "minute": 0}
